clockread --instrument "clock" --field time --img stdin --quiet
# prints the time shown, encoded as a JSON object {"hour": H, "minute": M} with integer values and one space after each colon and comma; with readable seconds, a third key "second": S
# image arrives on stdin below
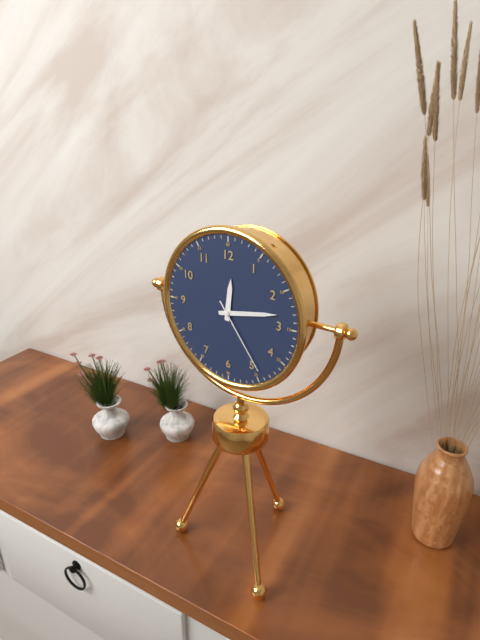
{"hour": 12, "minute": 13, "second": 24}
